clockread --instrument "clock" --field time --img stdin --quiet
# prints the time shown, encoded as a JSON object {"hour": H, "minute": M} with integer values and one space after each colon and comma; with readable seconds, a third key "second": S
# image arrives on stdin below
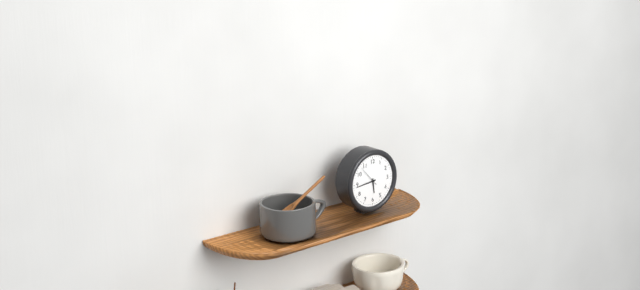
{"hour": 5, "minute": 44}
